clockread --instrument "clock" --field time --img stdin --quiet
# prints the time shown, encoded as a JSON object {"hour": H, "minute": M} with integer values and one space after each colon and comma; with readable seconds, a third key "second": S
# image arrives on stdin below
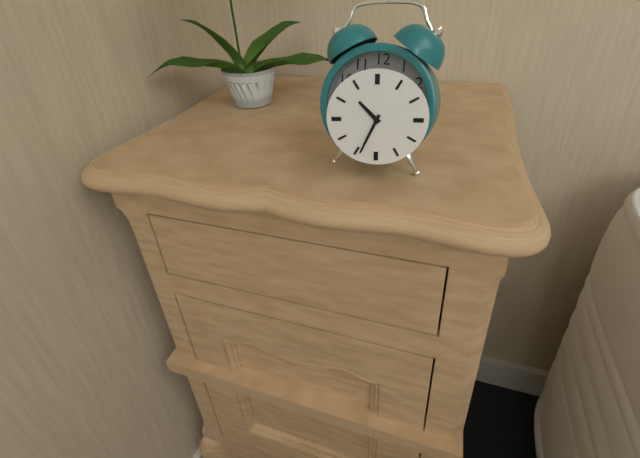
{"hour": 10, "minute": 34}
